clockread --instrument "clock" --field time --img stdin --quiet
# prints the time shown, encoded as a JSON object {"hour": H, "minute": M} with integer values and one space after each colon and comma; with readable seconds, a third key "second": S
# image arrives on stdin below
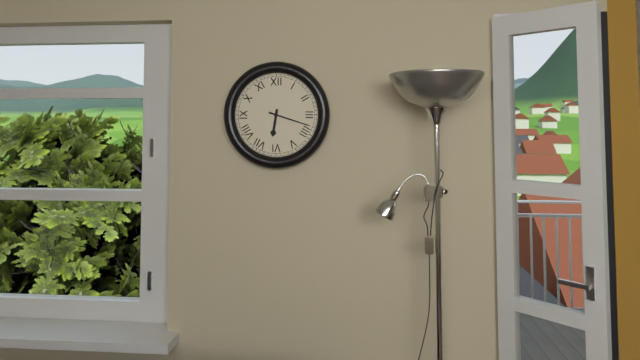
{"hour": 6, "minute": 18}
